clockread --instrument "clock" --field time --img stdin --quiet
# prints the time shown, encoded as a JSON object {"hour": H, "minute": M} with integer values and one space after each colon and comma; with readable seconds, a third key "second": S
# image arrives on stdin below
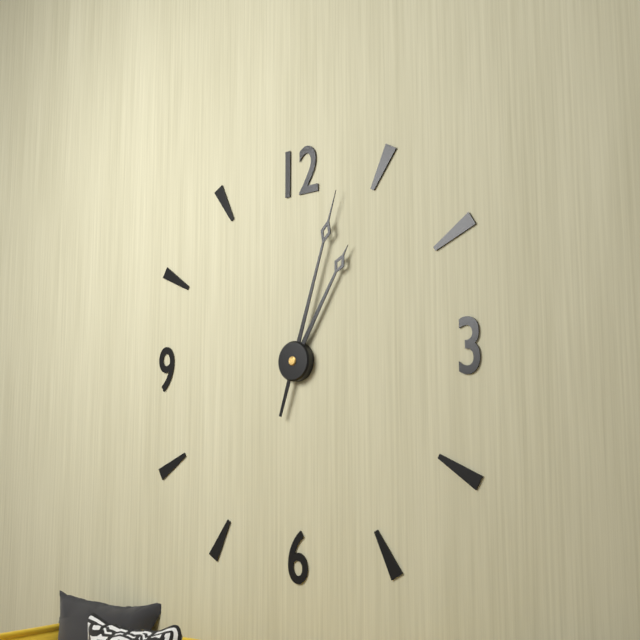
{"hour": 1, "minute": 3}
